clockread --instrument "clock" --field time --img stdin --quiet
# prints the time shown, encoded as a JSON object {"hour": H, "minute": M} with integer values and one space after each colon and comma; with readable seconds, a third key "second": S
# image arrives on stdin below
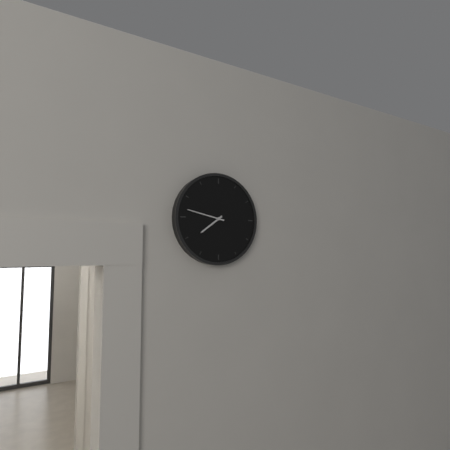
{"hour": 7, "minute": 47}
